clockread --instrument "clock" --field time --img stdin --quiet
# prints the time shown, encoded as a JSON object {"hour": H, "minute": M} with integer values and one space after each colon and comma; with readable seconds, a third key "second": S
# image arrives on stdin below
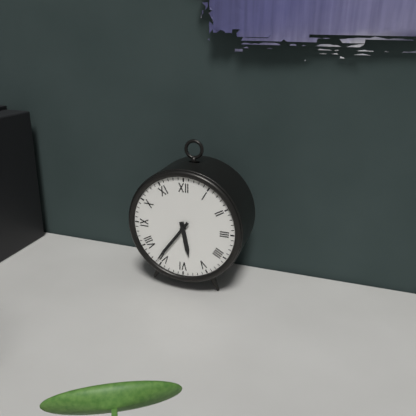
{"hour": 5, "minute": 36}
